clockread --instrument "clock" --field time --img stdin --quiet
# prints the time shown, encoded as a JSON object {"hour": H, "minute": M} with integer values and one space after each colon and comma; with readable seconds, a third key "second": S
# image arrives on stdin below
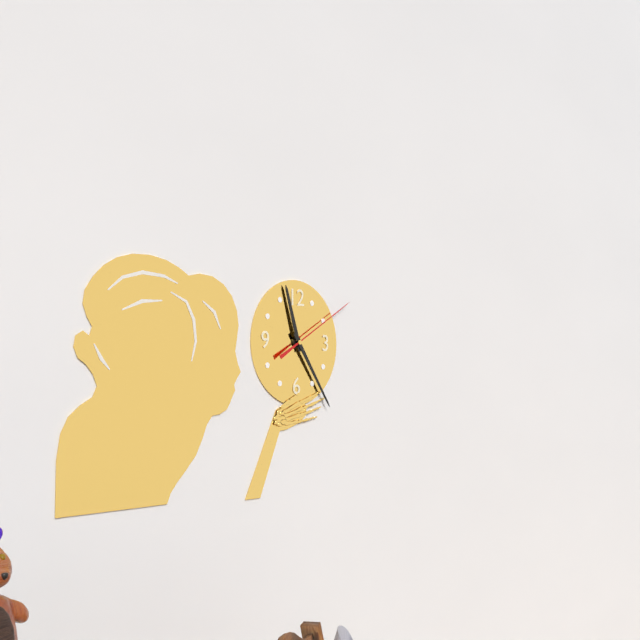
{"hour": 11, "minute": 24, "second": 10}
